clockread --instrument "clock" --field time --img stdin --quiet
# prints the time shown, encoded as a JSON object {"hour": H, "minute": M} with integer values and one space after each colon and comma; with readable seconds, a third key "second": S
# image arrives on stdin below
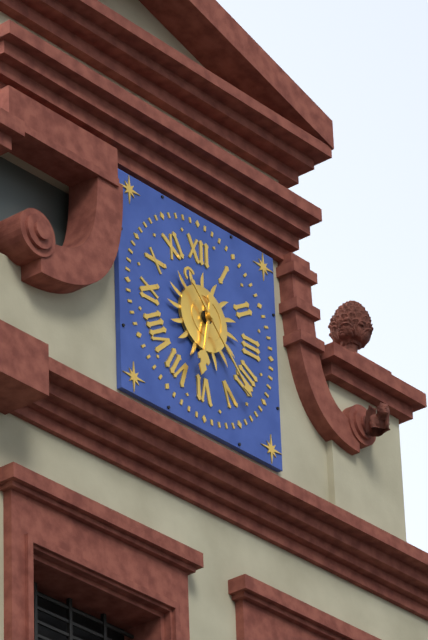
{"hour": 6, "minute": 23}
